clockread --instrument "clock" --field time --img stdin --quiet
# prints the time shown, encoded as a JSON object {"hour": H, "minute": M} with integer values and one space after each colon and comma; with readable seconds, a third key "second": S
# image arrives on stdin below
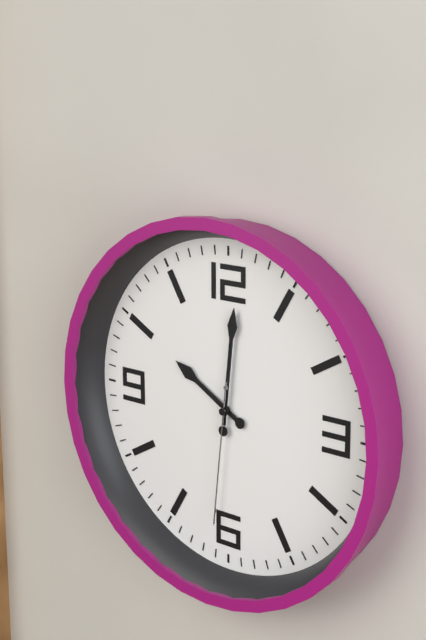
{"hour": 10, "minute": 1, "second": 31}
